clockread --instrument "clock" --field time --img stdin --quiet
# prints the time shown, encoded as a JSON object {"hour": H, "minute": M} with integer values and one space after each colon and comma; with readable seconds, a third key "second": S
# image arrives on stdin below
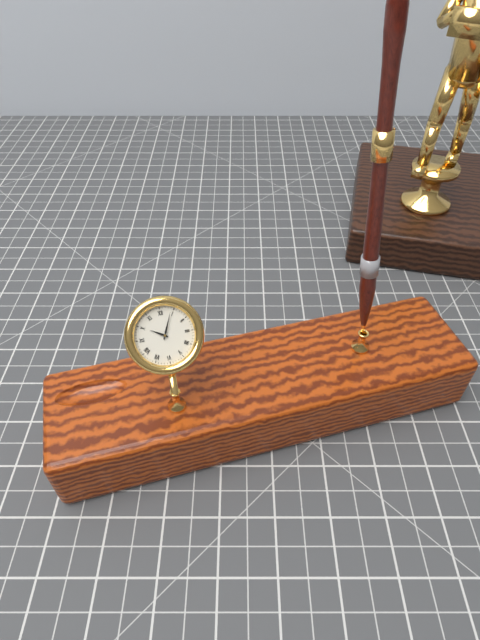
{"hour": 10, "minute": 4}
